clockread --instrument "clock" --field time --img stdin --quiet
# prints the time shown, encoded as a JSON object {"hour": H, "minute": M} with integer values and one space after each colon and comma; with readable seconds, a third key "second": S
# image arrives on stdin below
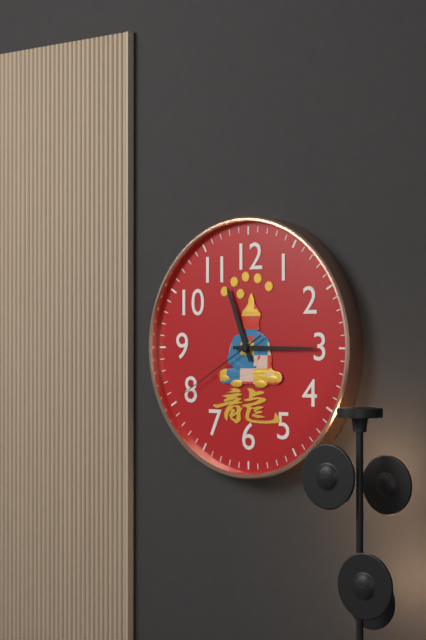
{"hour": 11, "minute": 15, "second": 40}
